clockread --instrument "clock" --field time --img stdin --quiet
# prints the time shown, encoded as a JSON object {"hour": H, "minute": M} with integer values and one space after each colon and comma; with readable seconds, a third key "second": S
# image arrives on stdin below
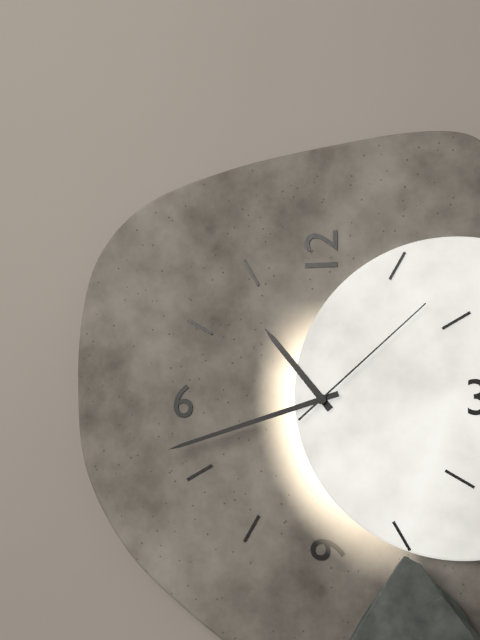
{"hour": 10, "minute": 42, "second": 8}
